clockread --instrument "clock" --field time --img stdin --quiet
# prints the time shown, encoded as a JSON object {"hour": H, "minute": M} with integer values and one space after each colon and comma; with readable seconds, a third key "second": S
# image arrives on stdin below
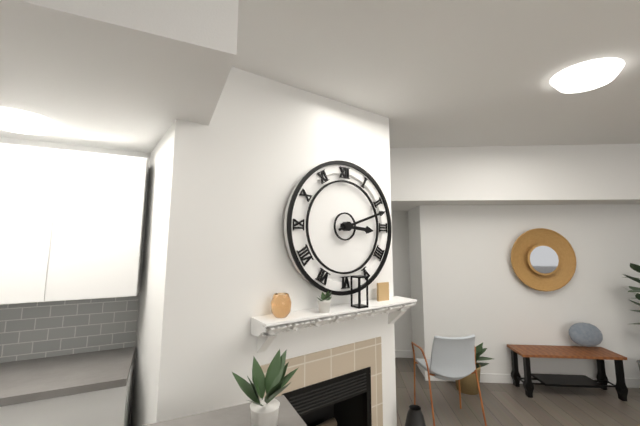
{"hour": 3, "minute": 12}
